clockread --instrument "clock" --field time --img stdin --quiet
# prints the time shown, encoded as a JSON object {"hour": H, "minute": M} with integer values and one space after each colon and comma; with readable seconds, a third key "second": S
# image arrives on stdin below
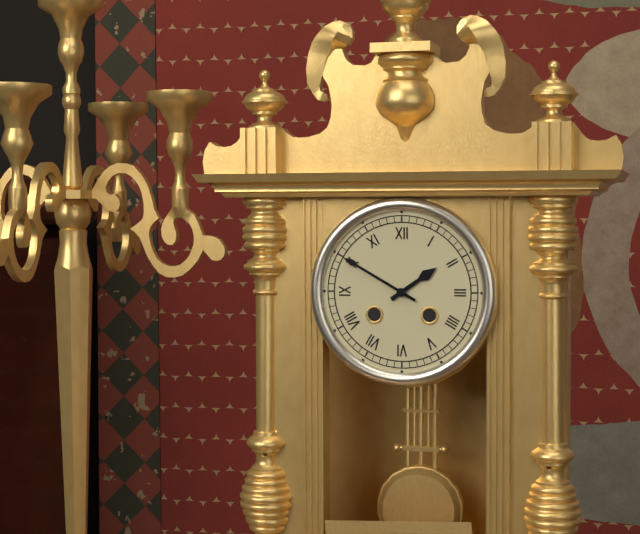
{"hour": 1, "minute": 50}
